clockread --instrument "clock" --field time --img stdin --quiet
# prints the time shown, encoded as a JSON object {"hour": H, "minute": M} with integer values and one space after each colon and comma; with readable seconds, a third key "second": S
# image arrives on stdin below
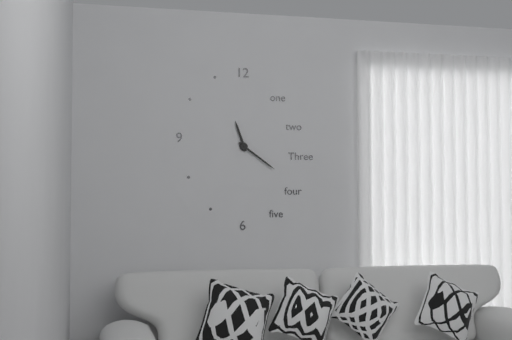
{"hour": 11, "minute": 21}
